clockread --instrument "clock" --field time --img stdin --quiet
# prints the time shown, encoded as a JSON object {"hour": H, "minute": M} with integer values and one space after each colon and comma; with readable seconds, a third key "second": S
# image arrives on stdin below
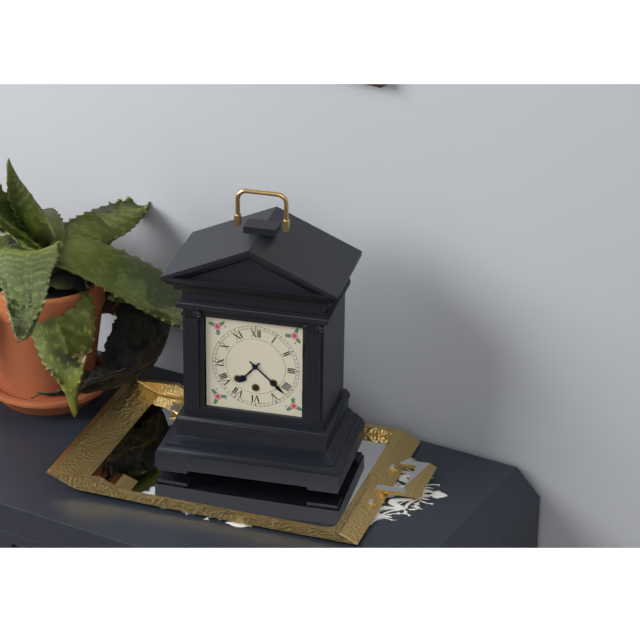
{"hour": 7, "minute": 22}
